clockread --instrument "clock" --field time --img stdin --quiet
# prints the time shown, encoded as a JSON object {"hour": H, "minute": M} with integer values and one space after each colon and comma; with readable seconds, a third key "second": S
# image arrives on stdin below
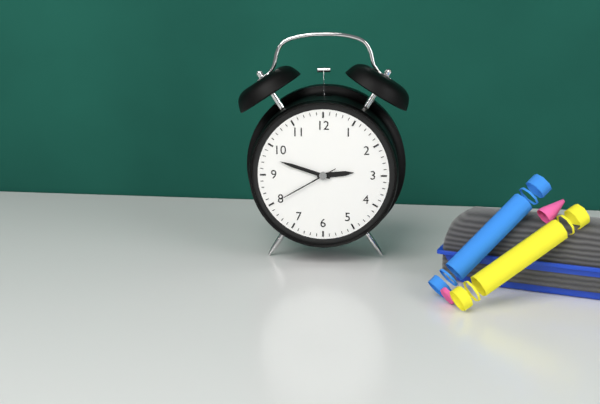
{"hour": 2, "minute": 48, "second": 40}
